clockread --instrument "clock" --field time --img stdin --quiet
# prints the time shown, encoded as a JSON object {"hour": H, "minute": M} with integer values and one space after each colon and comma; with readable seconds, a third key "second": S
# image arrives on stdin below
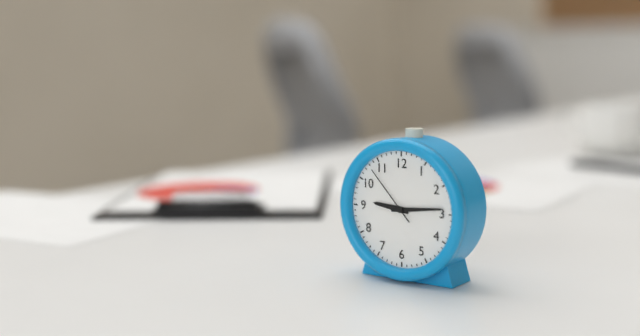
{"hour": 9, "minute": 14, "second": 53}
